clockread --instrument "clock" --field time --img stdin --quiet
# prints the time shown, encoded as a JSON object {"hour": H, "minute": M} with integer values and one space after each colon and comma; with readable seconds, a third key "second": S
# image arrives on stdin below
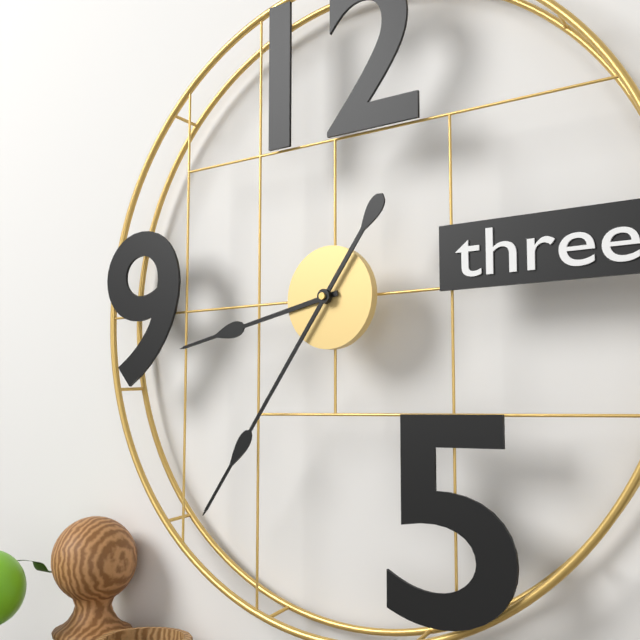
{"hour": 8, "minute": 36}
